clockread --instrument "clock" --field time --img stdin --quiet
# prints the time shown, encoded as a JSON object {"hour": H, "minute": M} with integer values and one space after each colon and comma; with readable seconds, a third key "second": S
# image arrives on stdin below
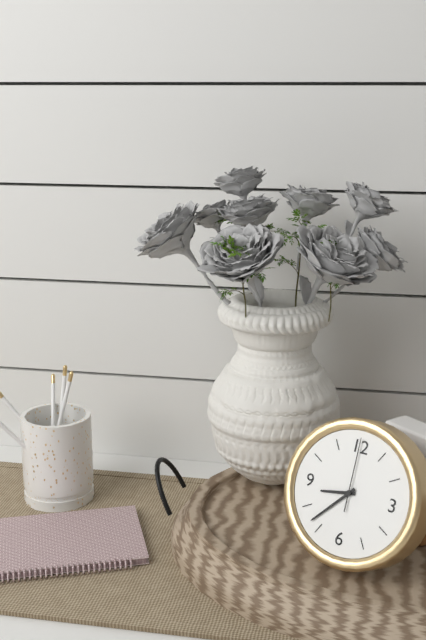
{"hour": 8, "minute": 37, "second": 0}
